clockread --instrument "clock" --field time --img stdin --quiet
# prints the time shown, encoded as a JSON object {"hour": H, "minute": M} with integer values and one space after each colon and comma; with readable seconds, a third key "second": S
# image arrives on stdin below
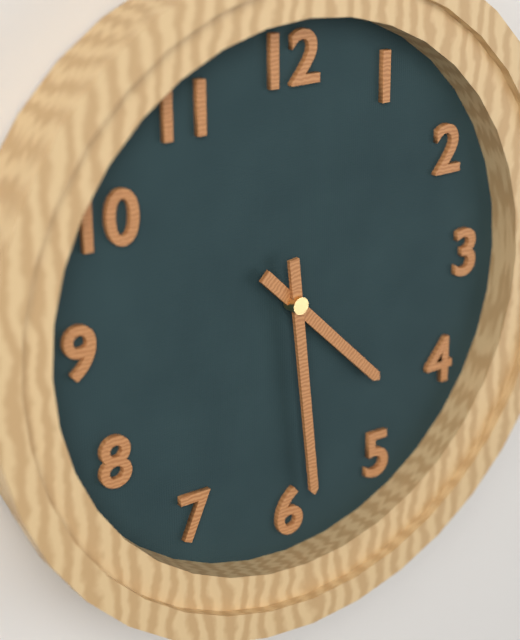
{"hour": 4, "minute": 29}
